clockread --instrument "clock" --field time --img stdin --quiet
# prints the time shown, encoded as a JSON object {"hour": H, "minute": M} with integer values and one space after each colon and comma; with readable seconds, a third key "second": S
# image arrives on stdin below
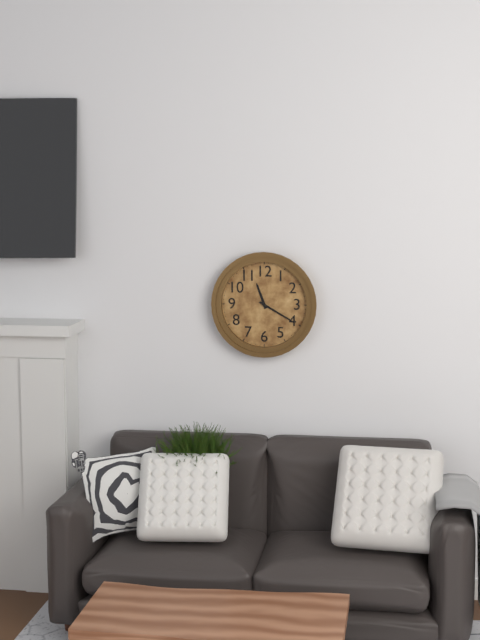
{"hour": 11, "minute": 20}
